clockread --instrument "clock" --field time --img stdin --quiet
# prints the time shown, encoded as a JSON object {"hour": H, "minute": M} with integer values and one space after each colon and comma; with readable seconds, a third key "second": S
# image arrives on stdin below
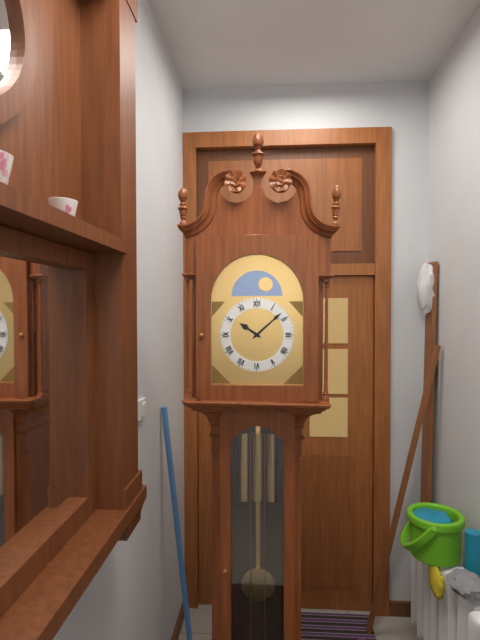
{"hour": 10, "minute": 8}
